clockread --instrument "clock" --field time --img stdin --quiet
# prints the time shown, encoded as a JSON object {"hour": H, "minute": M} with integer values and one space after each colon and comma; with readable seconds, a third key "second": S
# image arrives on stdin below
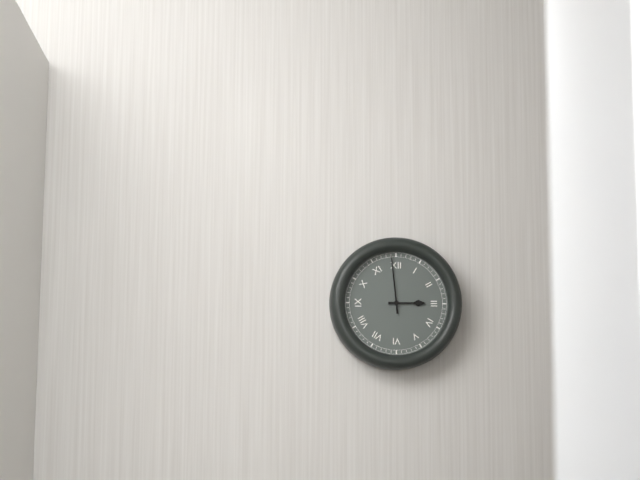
{"hour": 2, "minute": 59}
